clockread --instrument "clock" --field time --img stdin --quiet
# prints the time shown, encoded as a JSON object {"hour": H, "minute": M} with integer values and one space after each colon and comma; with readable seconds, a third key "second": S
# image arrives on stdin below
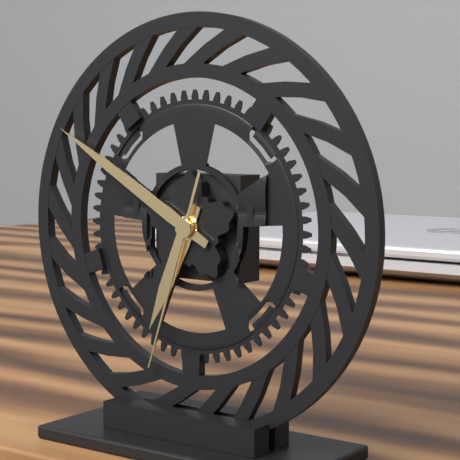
{"hour": 6, "minute": 50, "second": 33}
